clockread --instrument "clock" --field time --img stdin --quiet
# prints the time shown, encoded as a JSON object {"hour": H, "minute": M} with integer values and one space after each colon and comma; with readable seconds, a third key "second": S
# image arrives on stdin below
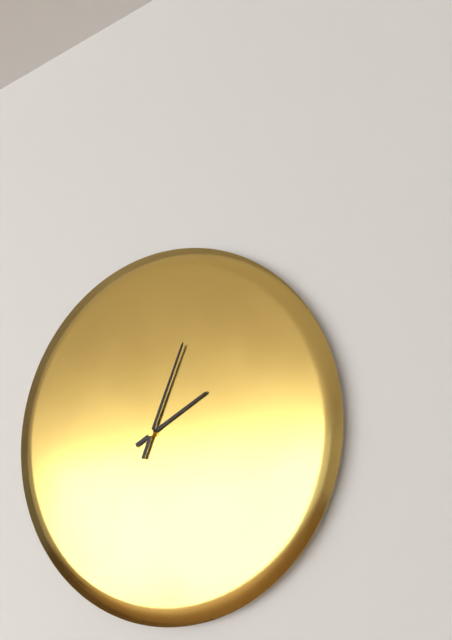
{"hour": 2, "minute": 4}
